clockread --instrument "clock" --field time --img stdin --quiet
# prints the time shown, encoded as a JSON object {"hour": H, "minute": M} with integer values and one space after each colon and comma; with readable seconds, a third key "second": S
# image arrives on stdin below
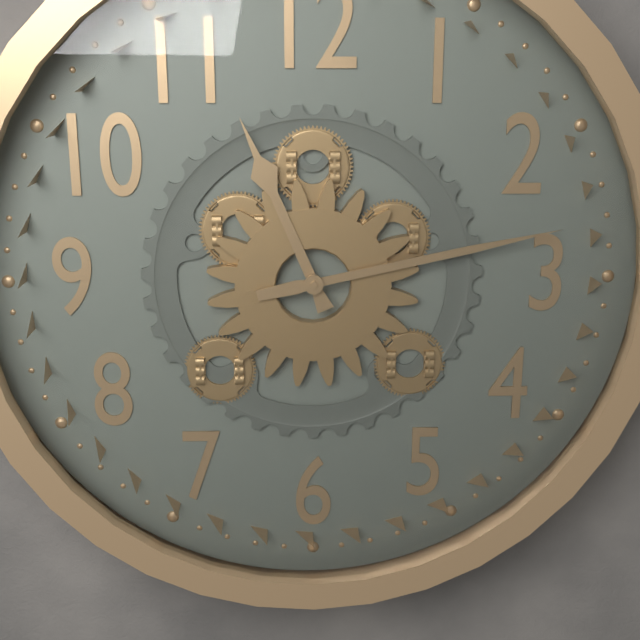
{"hour": 11, "minute": 13}
